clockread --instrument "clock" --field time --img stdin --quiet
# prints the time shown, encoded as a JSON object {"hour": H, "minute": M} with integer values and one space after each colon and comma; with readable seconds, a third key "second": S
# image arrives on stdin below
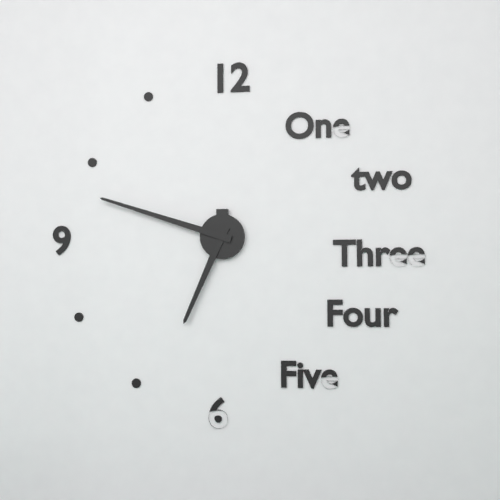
{"hour": 6, "minute": 48}
